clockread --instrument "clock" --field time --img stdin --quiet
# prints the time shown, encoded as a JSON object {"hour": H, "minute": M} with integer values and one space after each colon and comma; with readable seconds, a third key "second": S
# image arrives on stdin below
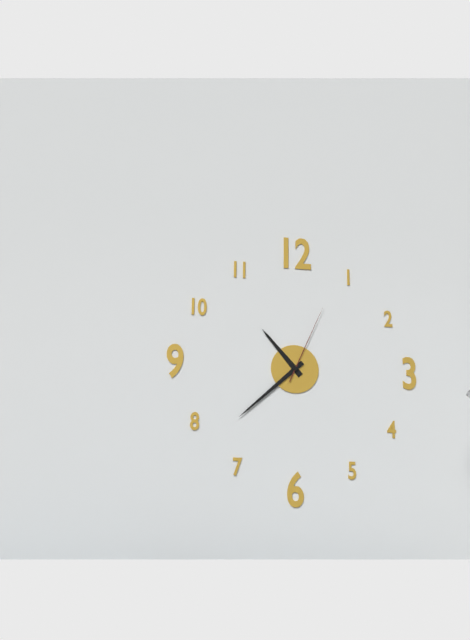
{"hour": 10, "minute": 38, "second": 4}
